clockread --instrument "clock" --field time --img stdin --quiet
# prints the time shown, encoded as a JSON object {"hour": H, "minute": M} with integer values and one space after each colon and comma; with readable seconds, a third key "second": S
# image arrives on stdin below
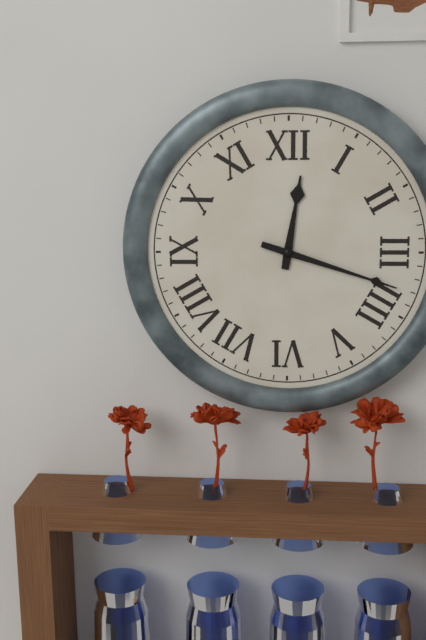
{"hour": 12, "minute": 18}
